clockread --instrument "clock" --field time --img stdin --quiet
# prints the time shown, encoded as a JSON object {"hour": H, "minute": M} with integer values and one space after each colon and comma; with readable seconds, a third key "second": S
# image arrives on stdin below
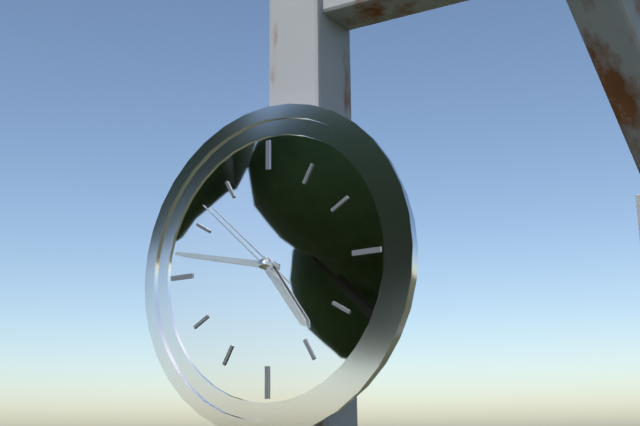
{"hour": 4, "minute": 47, "second": 52}
